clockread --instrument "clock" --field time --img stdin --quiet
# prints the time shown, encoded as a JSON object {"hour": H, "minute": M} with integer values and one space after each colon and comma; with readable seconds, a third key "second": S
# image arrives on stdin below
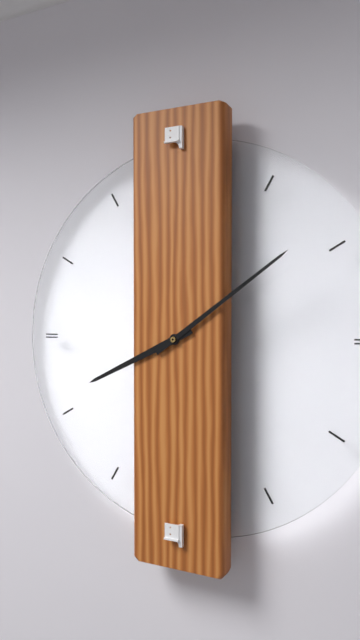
{"hour": 8, "minute": 9}
